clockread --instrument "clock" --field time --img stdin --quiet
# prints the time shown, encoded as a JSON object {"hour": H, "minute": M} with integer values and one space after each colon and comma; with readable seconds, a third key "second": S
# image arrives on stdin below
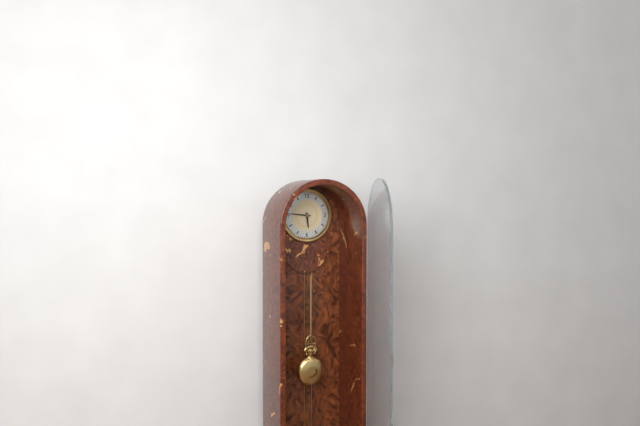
{"hour": 5, "minute": 46}
